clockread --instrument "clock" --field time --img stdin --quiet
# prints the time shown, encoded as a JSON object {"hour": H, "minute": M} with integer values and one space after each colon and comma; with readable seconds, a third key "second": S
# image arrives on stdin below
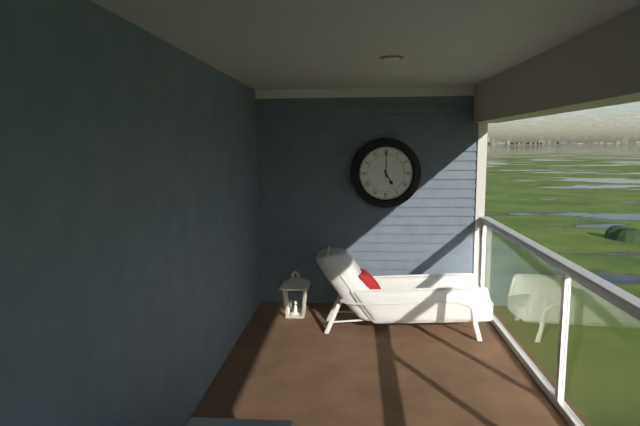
{"hour": 5, "minute": 0}
